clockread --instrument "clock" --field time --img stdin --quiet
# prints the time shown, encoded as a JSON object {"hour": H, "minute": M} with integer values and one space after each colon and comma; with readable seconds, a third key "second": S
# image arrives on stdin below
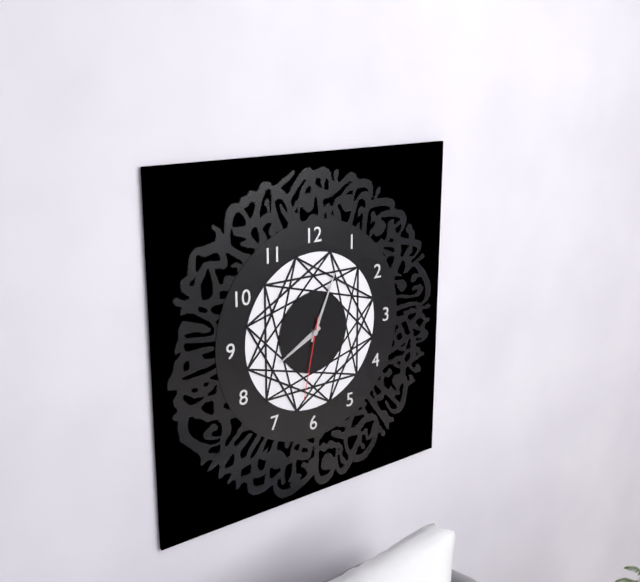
{"hour": 8, "minute": 4, "second": 32}
